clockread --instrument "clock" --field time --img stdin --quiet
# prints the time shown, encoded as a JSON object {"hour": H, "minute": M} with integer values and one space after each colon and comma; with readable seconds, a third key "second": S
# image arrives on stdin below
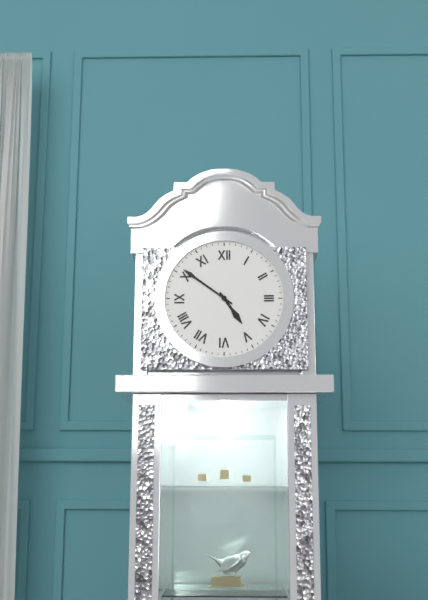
{"hour": 4, "minute": 51}
